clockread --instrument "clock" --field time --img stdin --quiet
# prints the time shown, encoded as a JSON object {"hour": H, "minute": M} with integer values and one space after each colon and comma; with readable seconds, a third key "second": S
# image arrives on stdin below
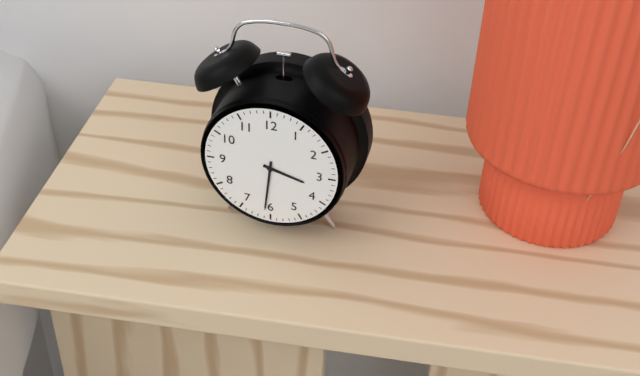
{"hour": 3, "minute": 31}
